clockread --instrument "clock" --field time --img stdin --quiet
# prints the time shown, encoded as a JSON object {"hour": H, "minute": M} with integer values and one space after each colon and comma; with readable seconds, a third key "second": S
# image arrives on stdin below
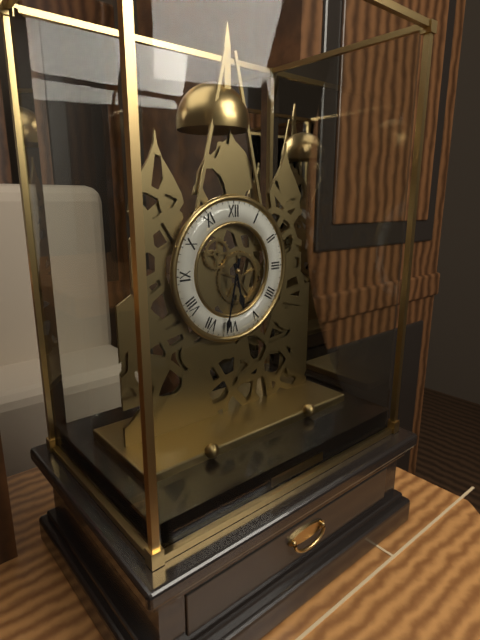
{"hour": 5, "minute": 32}
